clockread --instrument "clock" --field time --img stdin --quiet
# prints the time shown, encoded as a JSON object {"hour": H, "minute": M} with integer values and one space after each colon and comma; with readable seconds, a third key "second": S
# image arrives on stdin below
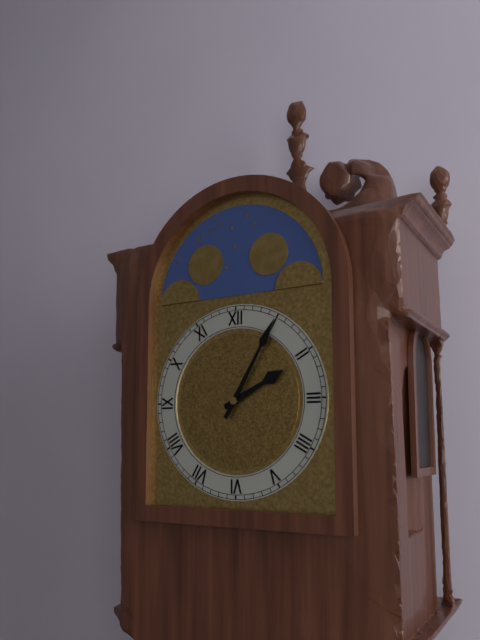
{"hour": 2, "minute": 5}
